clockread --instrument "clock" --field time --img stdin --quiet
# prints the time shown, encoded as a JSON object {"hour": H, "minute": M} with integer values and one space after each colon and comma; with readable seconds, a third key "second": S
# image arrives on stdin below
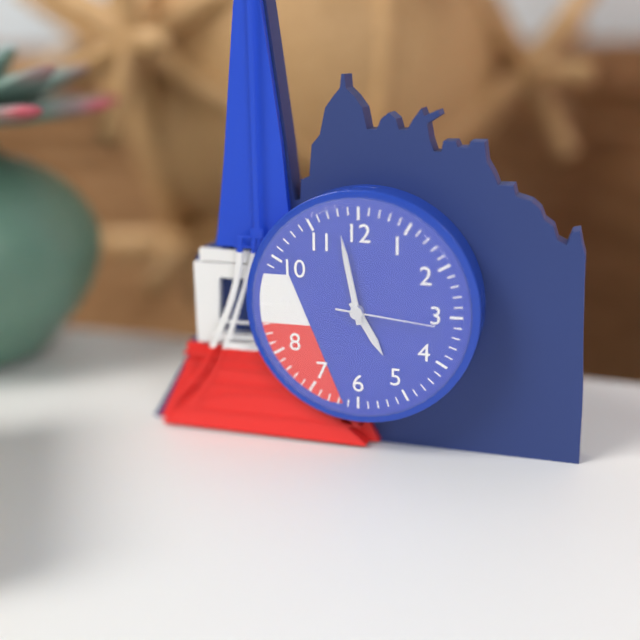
{"hour": 4, "minute": 58, "second": 16}
